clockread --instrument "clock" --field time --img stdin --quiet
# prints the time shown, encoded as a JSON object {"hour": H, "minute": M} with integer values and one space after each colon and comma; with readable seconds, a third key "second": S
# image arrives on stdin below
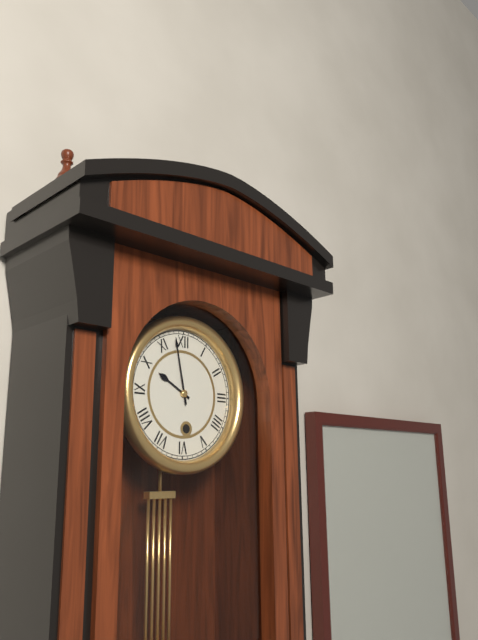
{"hour": 9, "minute": 58}
